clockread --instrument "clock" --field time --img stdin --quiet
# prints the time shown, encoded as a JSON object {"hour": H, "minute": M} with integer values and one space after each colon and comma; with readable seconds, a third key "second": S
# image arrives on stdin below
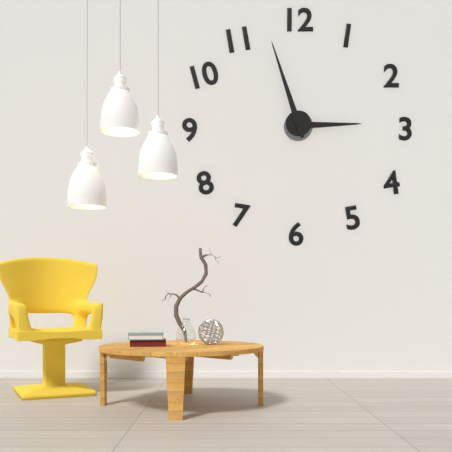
{"hour": 2, "minute": 57}
